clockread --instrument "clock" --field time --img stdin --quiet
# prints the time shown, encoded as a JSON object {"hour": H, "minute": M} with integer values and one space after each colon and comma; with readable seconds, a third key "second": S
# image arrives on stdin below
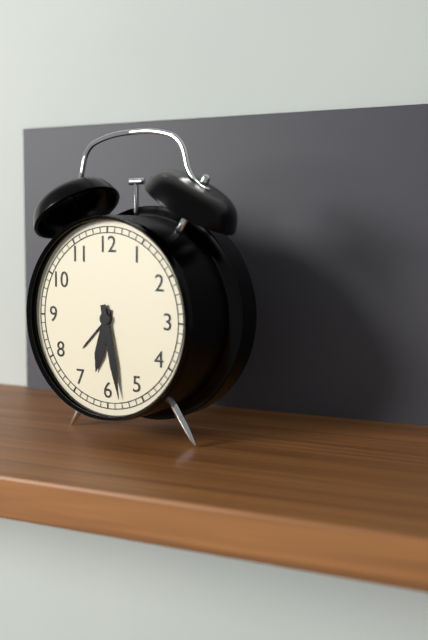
{"hour": 6, "minute": 28}
